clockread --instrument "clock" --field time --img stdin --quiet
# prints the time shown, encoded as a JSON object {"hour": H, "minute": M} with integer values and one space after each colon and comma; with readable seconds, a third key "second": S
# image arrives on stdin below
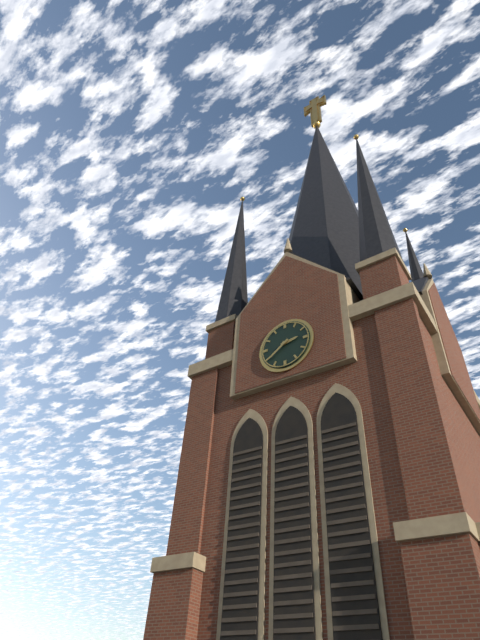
{"hour": 2, "minute": 39}
